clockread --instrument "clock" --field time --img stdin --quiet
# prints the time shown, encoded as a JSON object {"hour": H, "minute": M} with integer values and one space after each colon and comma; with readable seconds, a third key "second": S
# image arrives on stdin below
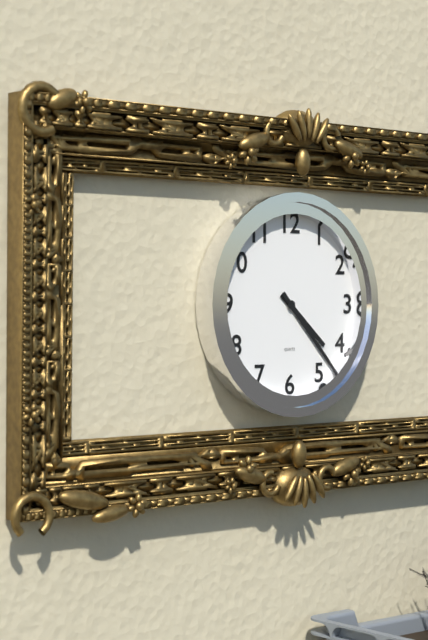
{"hour": 4, "minute": 23}
